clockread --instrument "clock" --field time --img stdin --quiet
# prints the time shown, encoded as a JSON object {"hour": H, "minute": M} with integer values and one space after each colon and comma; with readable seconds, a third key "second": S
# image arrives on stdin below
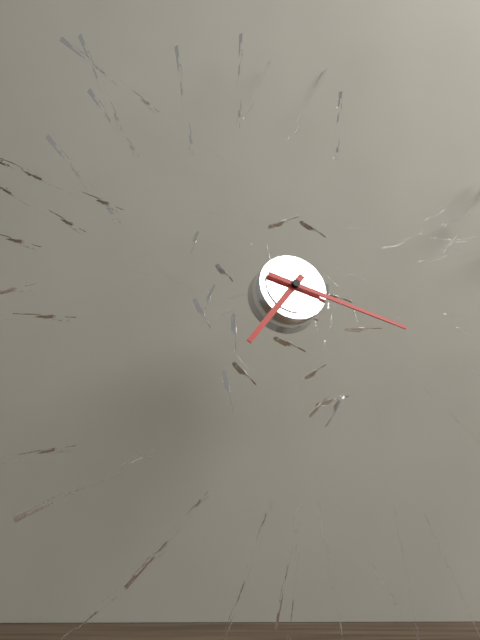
{"hour": 7, "minute": 18}
